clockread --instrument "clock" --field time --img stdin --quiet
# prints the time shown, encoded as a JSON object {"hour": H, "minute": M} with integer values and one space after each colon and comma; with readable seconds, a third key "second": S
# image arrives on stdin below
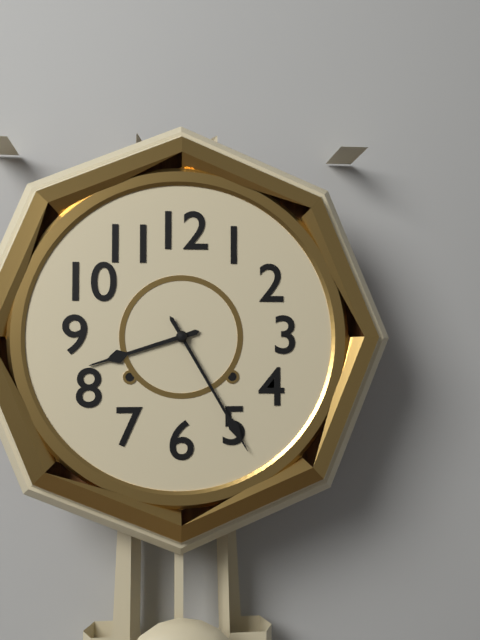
{"hour": 8, "minute": 25}
